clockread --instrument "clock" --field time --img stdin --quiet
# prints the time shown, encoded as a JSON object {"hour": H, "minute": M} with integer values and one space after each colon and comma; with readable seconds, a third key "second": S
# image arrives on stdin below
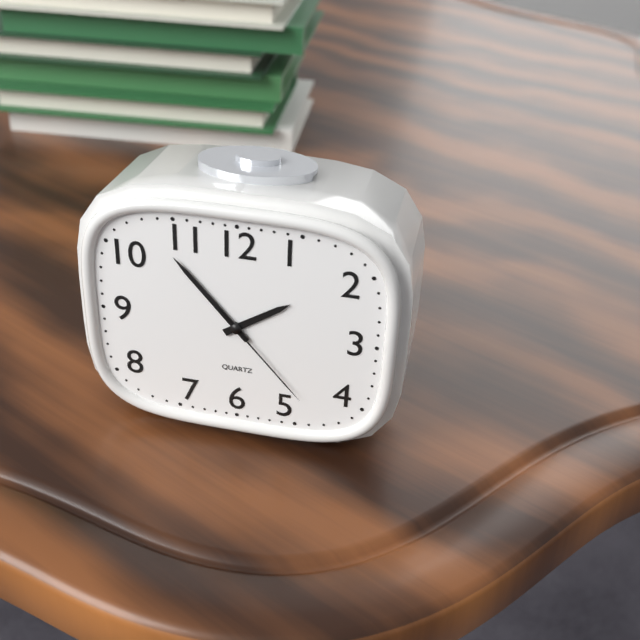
{"hour": 1, "minute": 53, "second": 23}
